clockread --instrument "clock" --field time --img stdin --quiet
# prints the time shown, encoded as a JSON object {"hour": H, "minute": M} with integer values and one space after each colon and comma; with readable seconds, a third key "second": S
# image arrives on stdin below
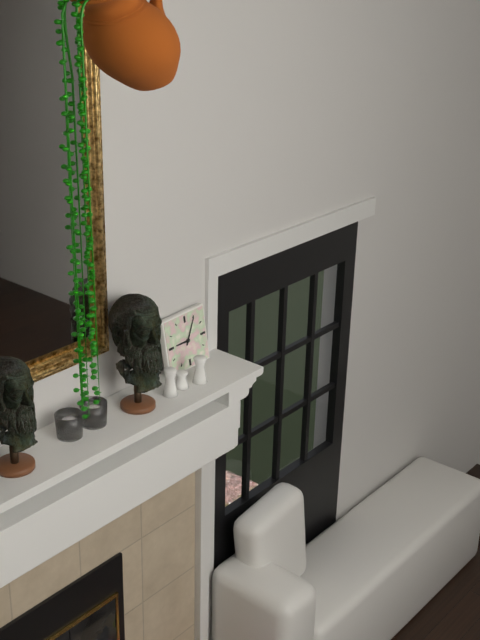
{"hour": 9, "minute": 5}
